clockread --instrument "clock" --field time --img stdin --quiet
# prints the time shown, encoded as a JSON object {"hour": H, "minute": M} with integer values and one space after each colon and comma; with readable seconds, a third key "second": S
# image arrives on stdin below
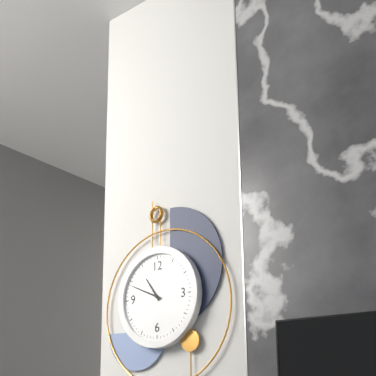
{"hour": 10, "minute": 49}
